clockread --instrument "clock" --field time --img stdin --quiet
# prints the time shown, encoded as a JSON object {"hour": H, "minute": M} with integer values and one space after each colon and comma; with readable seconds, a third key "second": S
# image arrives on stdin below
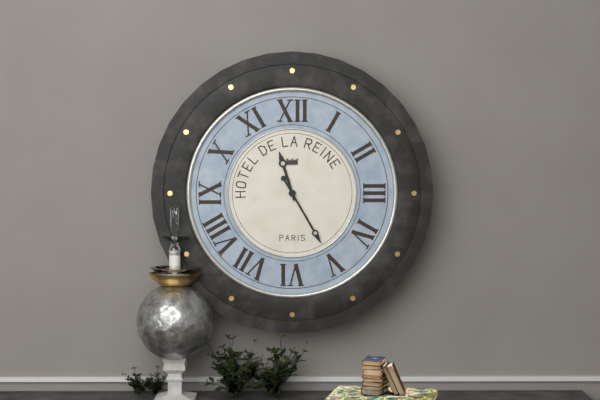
{"hour": 11, "minute": 25}
